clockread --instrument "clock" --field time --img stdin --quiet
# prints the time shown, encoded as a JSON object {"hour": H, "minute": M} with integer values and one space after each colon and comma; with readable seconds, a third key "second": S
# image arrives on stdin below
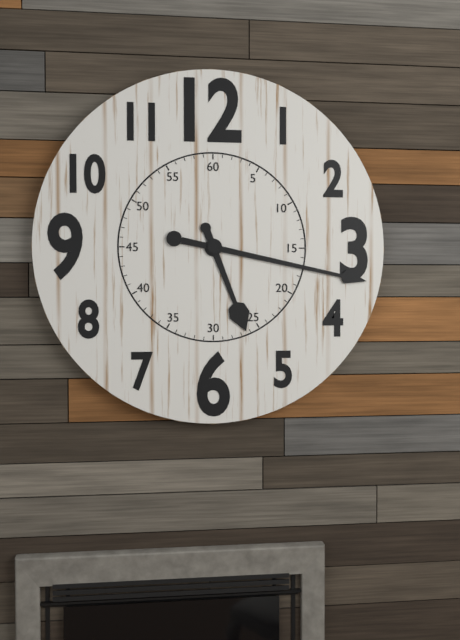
{"hour": 5, "minute": 17}
